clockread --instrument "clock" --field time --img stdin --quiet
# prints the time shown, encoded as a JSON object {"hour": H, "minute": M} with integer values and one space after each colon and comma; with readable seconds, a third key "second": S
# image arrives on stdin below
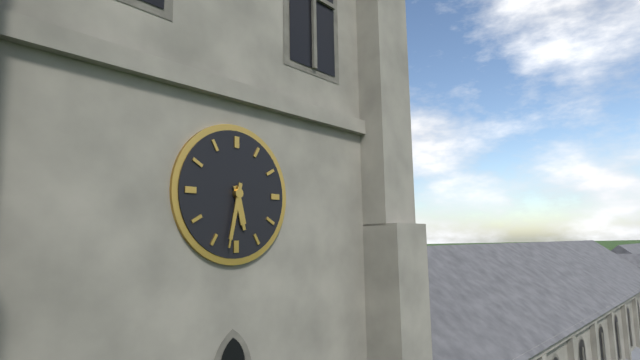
{"hour": 5, "minute": 32}
